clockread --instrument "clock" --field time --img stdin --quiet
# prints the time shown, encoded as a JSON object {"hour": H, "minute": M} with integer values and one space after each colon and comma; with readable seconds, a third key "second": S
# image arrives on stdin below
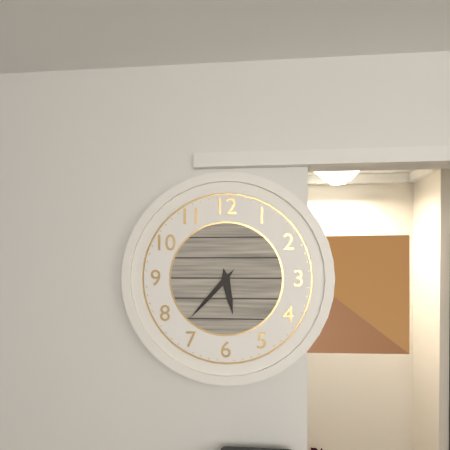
{"hour": 5, "minute": 37}
